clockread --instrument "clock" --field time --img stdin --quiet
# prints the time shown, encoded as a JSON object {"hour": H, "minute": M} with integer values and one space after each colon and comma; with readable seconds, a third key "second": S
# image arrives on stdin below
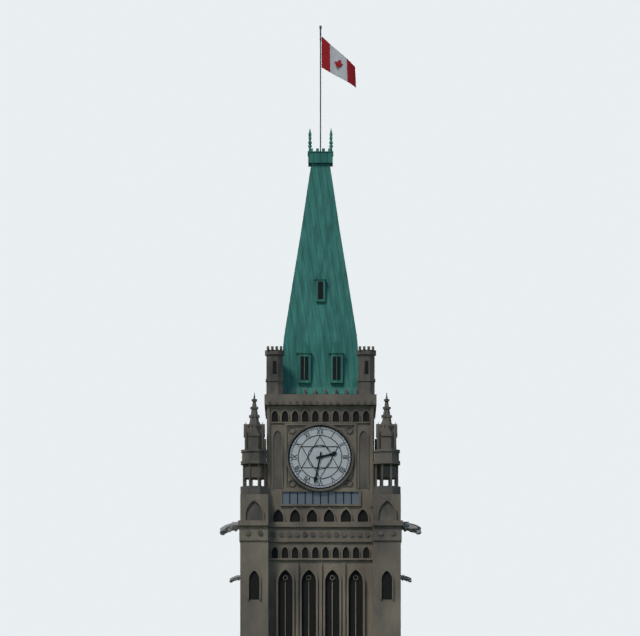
{"hour": 2, "minute": 32}
